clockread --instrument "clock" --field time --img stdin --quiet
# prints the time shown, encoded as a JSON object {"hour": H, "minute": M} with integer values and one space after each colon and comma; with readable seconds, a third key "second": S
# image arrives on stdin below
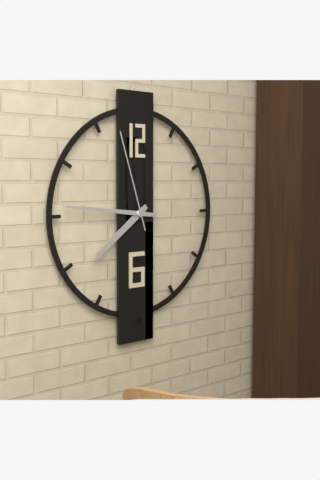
{"hour": 7, "minute": 46, "second": 57}
